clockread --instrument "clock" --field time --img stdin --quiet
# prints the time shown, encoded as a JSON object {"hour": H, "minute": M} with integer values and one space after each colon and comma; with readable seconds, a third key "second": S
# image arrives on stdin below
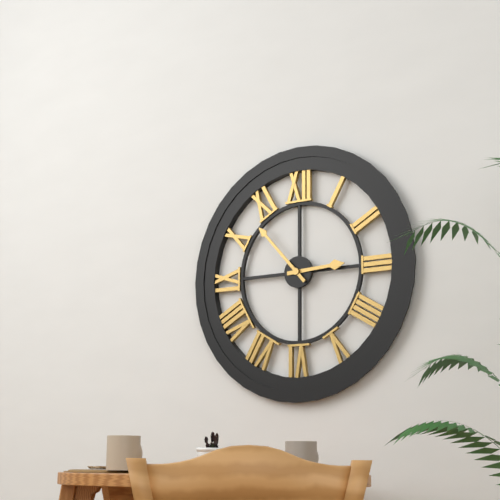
{"hour": 2, "minute": 53}
